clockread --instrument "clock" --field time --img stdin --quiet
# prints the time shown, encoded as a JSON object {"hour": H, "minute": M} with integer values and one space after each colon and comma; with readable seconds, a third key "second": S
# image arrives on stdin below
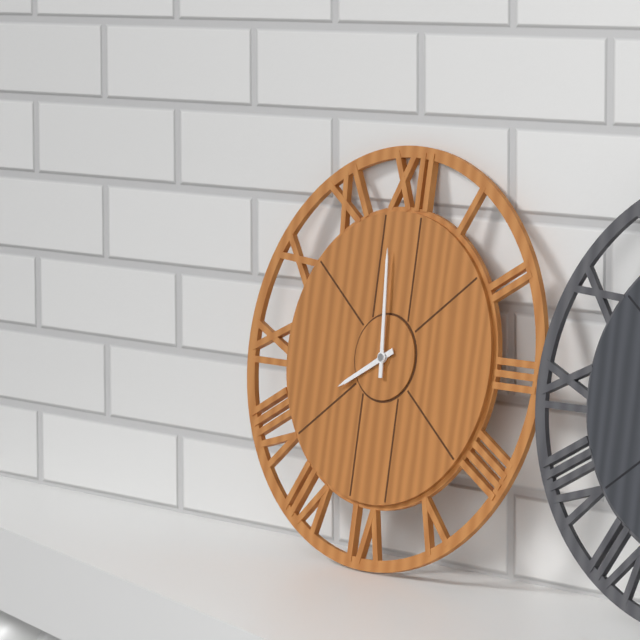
{"hour": 7, "minute": 59}
